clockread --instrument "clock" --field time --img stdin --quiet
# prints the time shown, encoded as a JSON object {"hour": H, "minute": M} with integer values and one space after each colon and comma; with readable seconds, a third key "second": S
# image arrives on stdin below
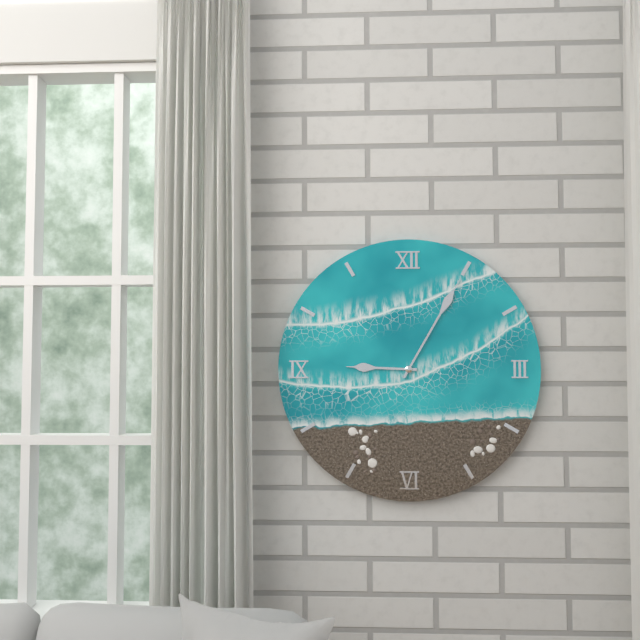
{"hour": 9, "minute": 5}
